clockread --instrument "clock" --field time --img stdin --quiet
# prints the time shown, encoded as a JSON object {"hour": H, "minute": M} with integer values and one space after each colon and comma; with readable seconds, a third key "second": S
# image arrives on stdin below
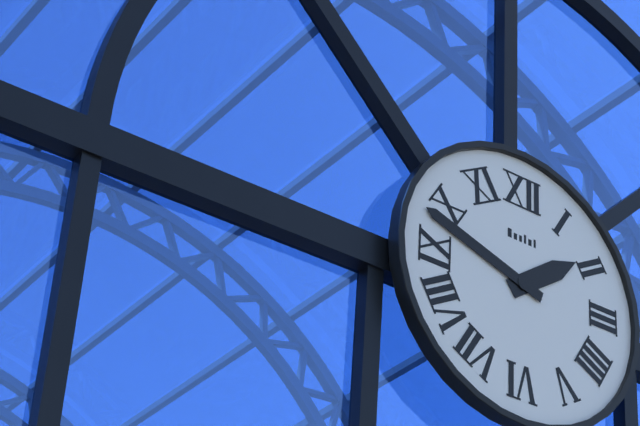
{"hour": 1, "minute": 48}
